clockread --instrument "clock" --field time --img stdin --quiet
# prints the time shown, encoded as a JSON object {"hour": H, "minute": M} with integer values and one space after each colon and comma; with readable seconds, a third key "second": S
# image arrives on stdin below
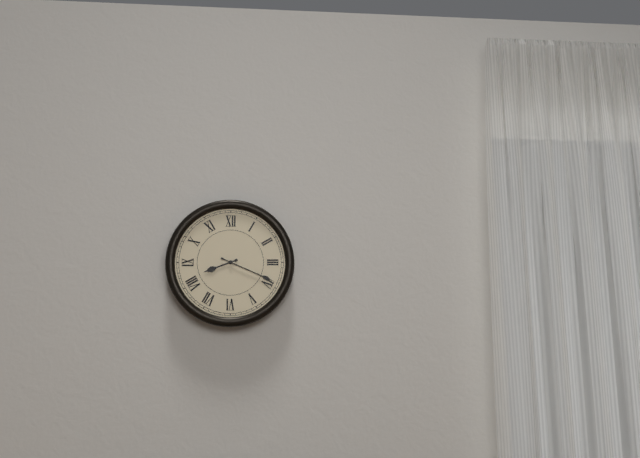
{"hour": 8, "minute": 19}
